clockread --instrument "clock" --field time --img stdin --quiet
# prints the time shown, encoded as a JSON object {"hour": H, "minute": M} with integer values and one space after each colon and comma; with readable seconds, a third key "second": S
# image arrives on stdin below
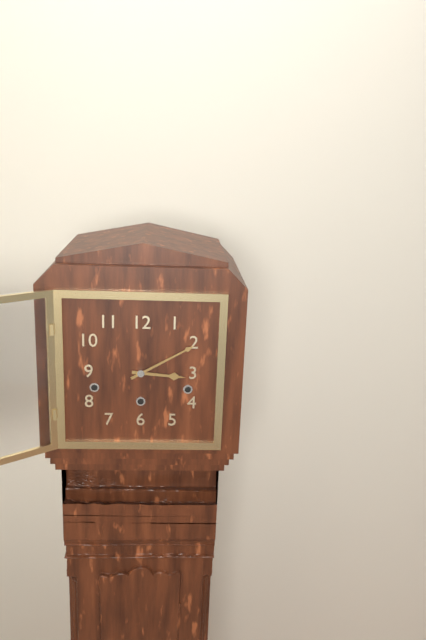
{"hour": 3, "minute": 10}
